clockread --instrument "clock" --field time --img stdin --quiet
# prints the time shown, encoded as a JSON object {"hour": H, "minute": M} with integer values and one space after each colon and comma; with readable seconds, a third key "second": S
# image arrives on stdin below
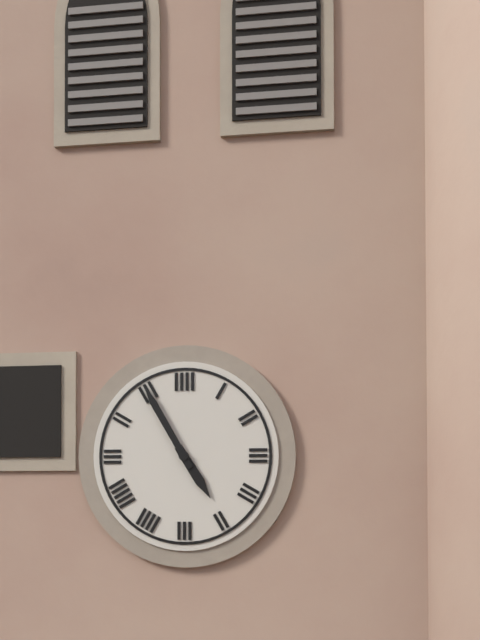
{"hour": 4, "minute": 55}
